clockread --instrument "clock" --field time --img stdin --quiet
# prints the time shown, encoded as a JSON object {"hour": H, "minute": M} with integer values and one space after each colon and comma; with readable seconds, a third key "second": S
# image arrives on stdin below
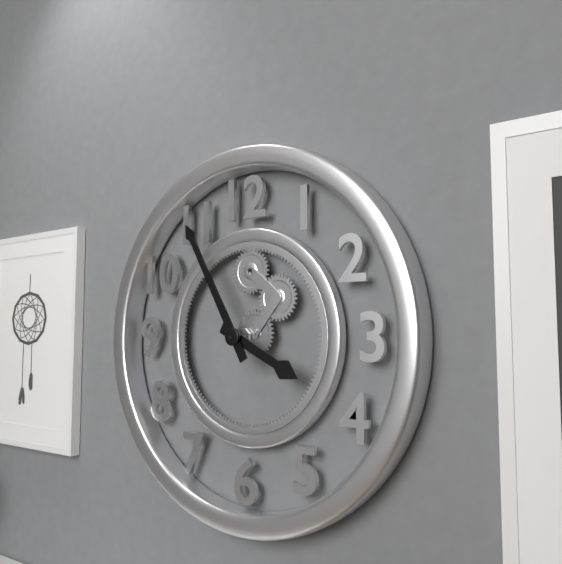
{"hour": 3, "minute": 55}
